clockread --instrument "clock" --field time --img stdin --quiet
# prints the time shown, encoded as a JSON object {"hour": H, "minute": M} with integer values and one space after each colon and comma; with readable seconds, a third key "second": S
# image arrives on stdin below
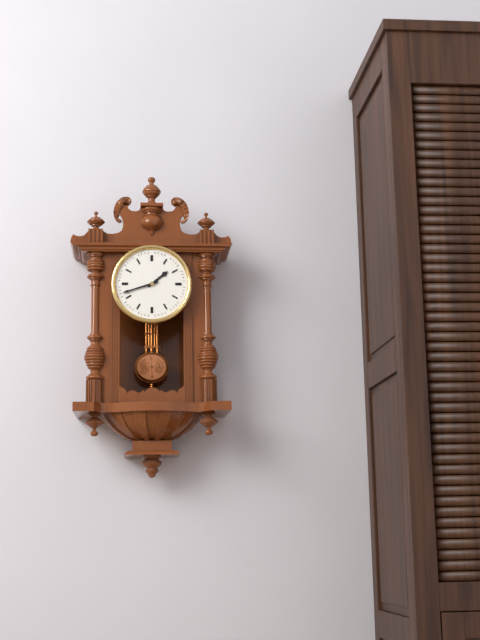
{"hour": 1, "minute": 42}
